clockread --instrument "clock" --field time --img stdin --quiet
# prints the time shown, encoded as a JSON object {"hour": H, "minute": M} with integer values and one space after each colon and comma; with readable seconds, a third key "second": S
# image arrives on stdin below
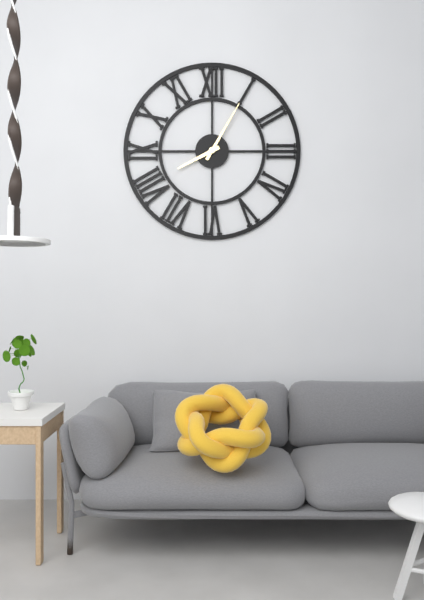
{"hour": 8, "minute": 5}
